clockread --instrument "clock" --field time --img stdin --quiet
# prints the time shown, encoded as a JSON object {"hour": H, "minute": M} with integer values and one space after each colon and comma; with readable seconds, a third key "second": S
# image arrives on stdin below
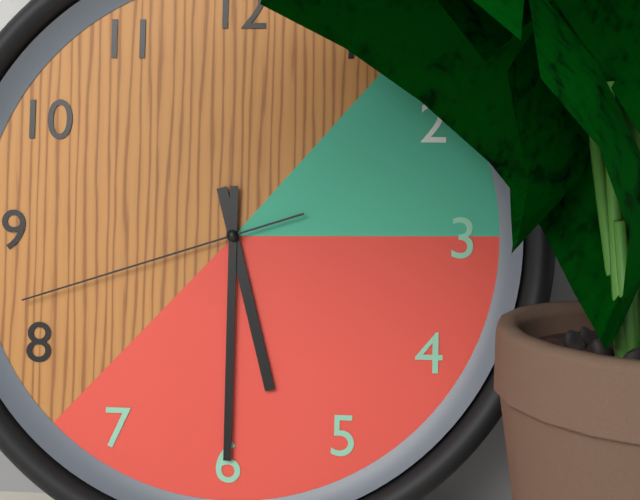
{"hour": 5, "minute": 30, "second": 42}
